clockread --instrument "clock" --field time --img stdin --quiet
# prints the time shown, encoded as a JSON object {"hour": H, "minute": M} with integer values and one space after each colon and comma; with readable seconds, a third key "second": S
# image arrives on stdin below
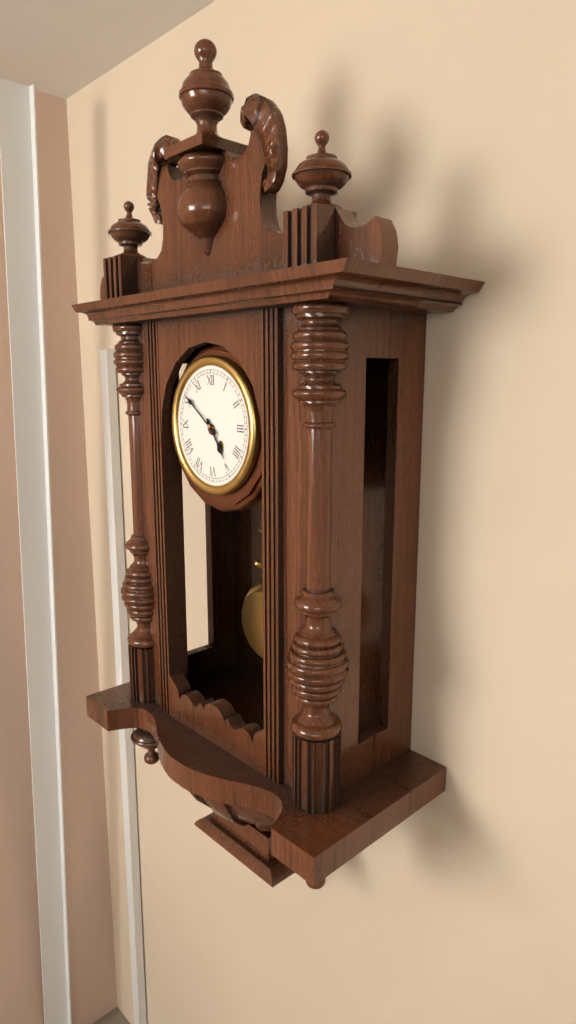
{"hour": 4, "minute": 51}
